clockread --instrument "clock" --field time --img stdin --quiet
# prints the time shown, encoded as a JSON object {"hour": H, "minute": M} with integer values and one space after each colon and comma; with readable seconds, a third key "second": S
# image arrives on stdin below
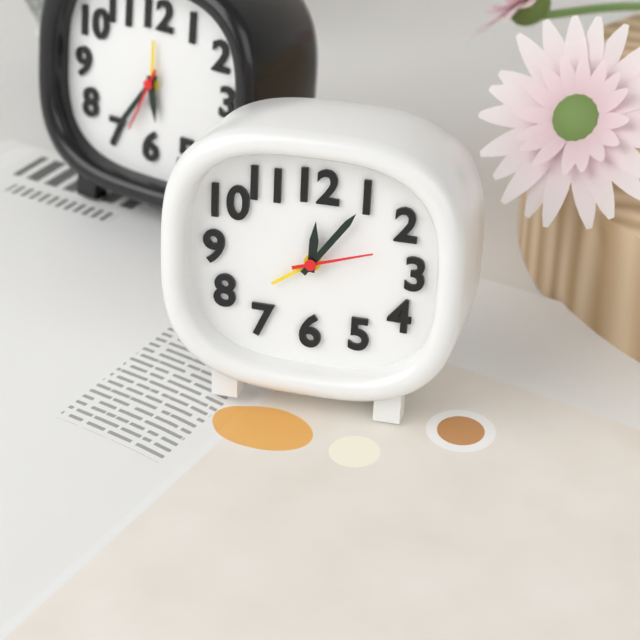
{"hour": 12, "minute": 6, "second": 12}
